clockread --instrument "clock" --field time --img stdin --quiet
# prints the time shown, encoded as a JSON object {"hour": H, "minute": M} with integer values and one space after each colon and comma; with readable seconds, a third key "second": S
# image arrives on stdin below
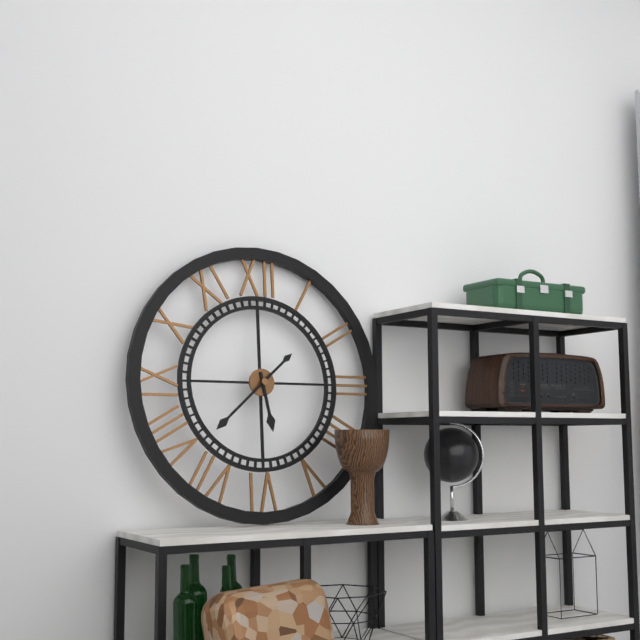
{"hour": 5, "minute": 38}
